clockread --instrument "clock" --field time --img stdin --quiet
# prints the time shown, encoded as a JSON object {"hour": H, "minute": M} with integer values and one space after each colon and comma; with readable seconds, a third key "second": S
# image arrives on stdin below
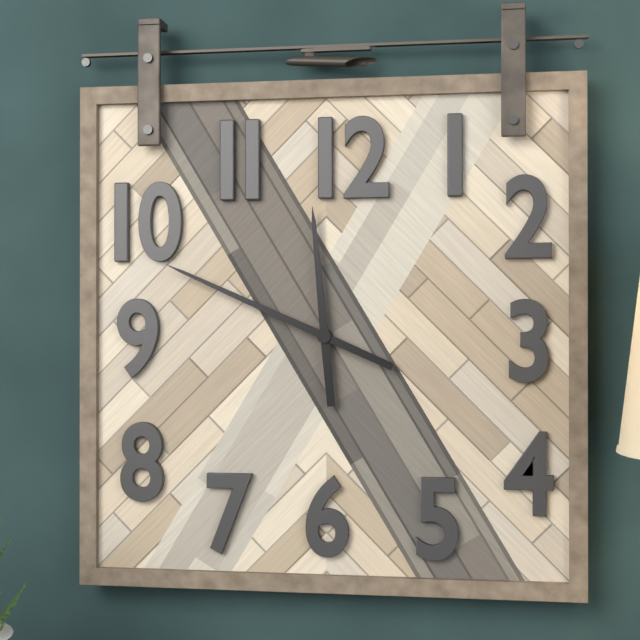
{"hour": 11, "minute": 49}
